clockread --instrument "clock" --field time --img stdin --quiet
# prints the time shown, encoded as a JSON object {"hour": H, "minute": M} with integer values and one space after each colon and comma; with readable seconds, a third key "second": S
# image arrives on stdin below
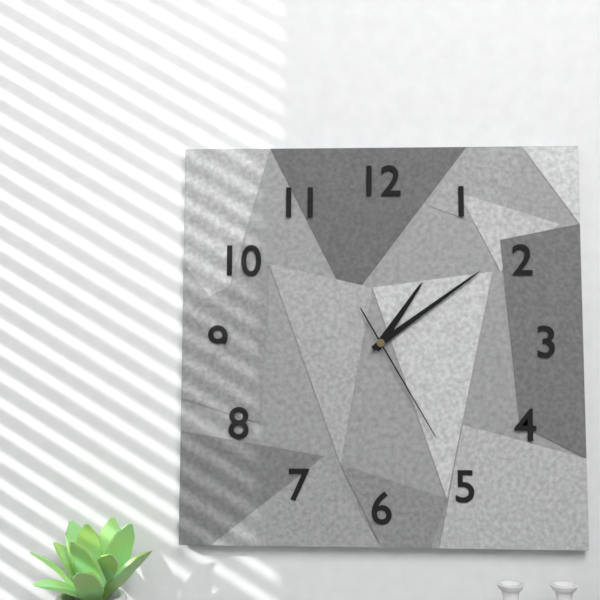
{"hour": 1, "minute": 9, "second": 25}
